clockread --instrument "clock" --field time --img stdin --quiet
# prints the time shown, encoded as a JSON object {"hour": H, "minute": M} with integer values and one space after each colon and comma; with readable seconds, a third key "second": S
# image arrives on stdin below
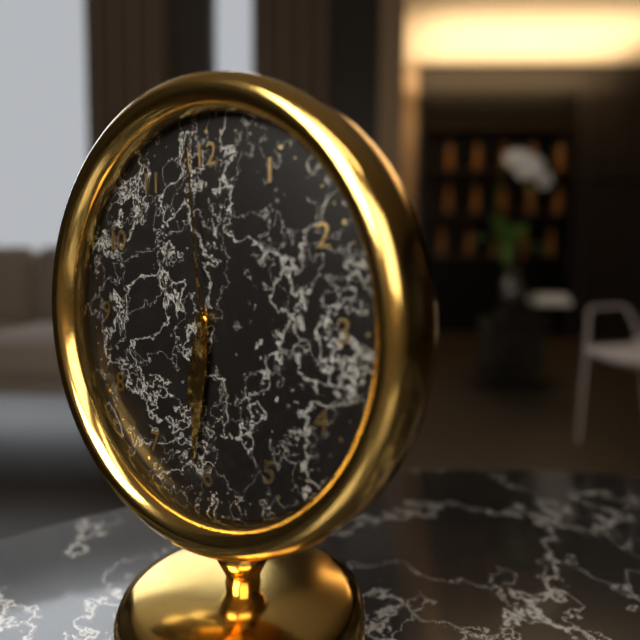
{"hour": 6, "minute": 31, "second": 59}
